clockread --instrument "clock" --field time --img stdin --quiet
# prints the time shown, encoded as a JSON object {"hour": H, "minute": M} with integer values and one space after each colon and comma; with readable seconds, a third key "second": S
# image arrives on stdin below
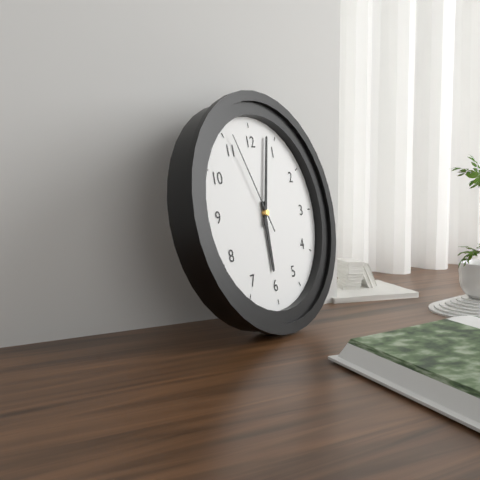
{"hour": 6, "minute": 3, "second": 56}
